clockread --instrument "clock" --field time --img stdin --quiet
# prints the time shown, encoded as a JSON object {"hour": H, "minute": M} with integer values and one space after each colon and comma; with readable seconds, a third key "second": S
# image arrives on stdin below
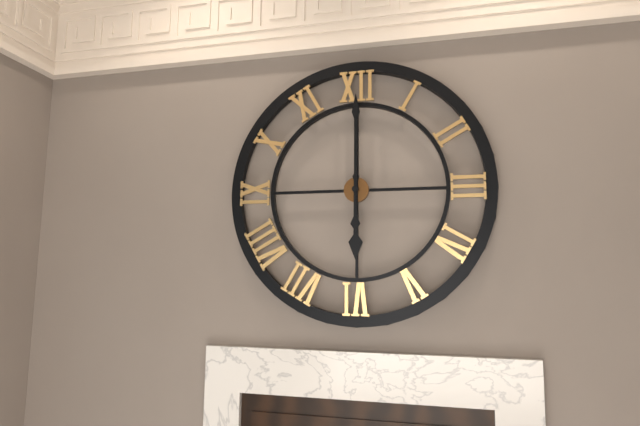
{"hour": 6, "minute": 0}
